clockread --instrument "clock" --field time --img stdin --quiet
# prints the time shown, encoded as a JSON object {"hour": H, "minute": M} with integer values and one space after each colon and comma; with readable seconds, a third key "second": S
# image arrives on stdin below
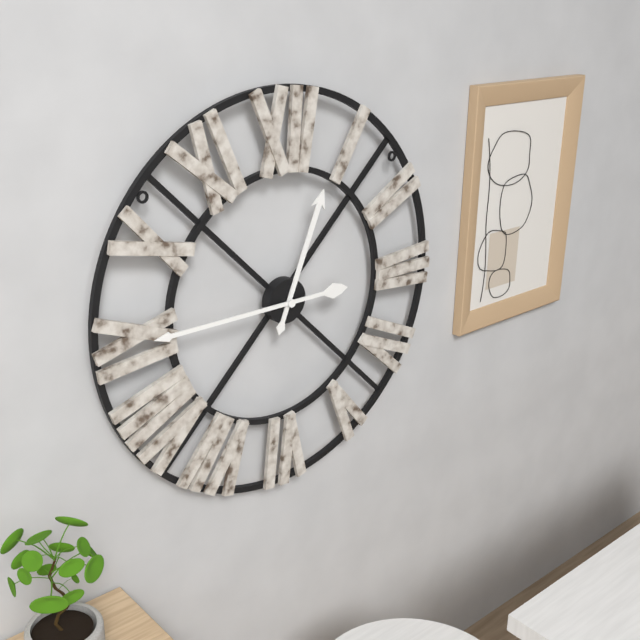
{"hour": 12, "minute": 45}
